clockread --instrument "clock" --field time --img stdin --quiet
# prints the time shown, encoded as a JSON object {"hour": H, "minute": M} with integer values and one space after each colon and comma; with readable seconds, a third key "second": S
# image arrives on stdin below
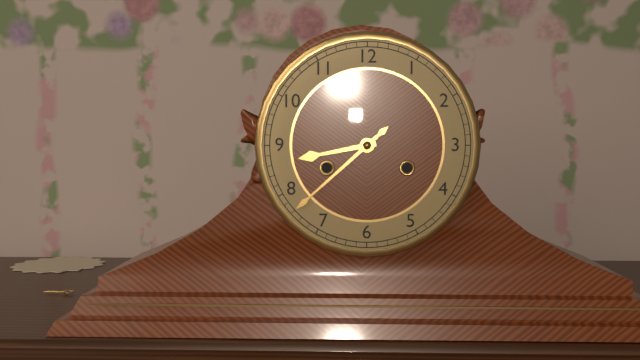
{"hour": 8, "minute": 38}
